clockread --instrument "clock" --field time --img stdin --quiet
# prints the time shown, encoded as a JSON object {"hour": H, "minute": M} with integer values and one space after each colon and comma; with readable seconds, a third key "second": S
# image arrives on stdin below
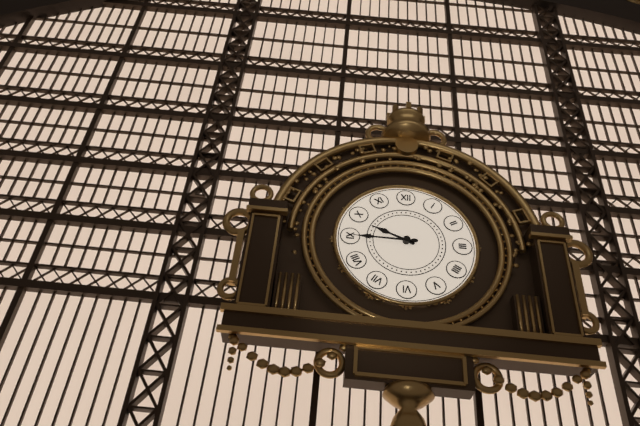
{"hour": 9, "minute": 45}
